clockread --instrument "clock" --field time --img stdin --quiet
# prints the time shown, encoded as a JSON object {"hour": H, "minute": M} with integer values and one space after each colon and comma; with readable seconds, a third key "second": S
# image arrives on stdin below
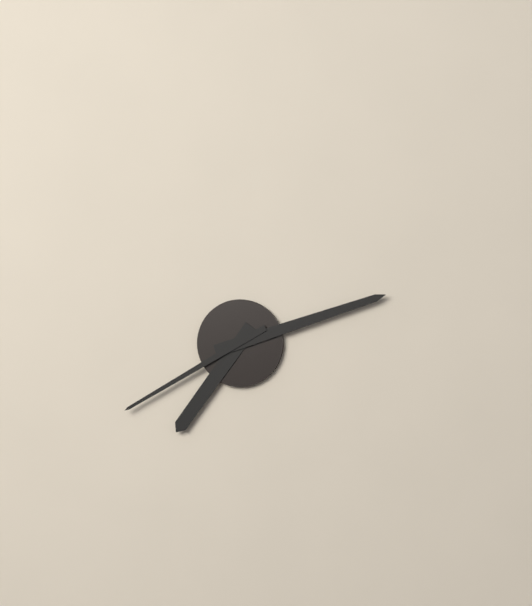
{"hour": 7, "minute": 12, "second": 40}
